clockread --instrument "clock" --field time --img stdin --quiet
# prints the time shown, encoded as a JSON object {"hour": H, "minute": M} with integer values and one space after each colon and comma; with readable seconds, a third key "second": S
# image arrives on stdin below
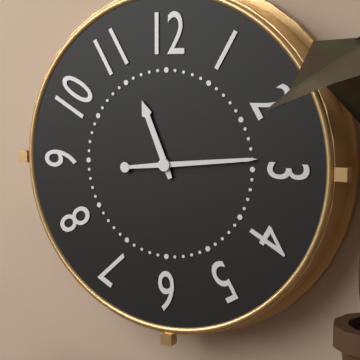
{"hour": 11, "minute": 14}
